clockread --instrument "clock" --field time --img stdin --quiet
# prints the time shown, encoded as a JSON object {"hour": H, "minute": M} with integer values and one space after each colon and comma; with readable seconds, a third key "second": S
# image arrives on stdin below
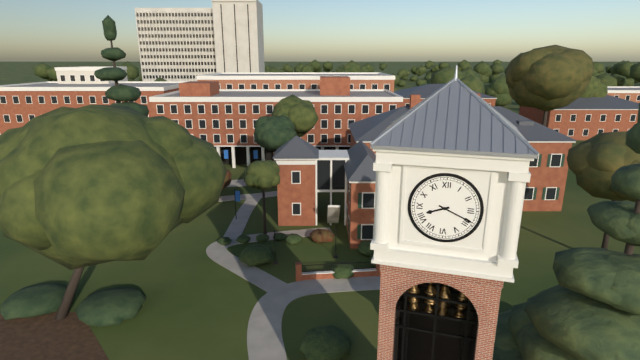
{"hour": 8, "minute": 19}
